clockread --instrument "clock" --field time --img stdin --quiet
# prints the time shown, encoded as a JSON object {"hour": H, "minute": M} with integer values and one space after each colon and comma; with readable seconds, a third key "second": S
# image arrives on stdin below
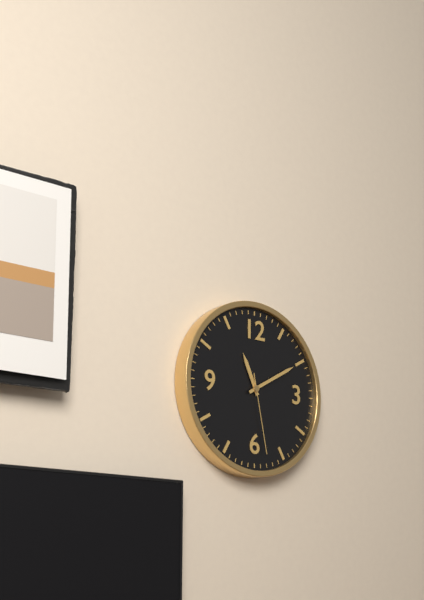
{"hour": 11, "minute": 10, "second": 28}
